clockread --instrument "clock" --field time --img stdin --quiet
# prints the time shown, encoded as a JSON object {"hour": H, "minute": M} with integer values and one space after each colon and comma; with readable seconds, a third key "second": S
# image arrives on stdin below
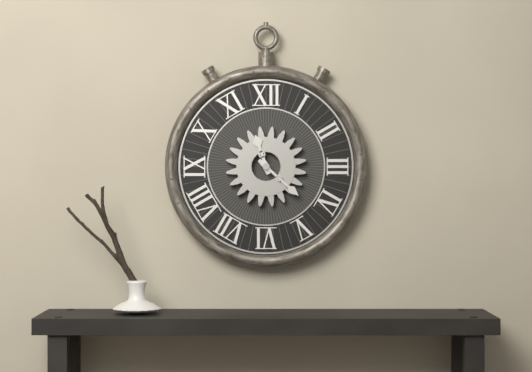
{"hour": 11, "minute": 22}
